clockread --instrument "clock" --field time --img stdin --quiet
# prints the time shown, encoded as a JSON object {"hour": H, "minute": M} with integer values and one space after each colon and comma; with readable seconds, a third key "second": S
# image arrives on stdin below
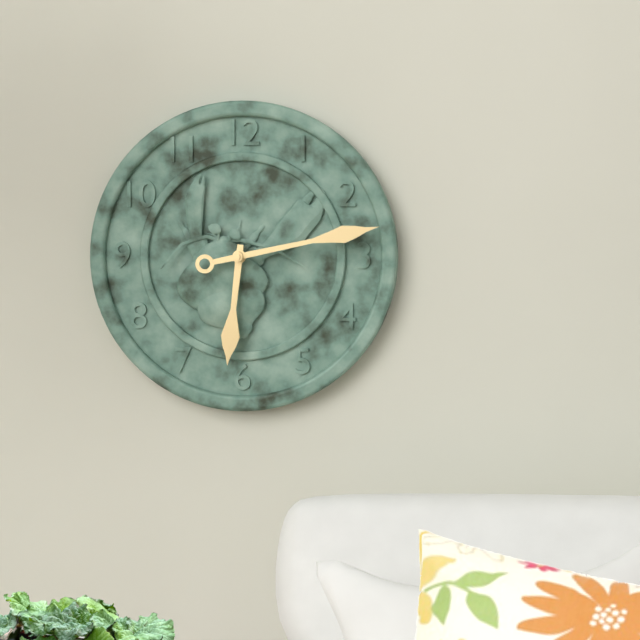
{"hour": 6, "minute": 13}
